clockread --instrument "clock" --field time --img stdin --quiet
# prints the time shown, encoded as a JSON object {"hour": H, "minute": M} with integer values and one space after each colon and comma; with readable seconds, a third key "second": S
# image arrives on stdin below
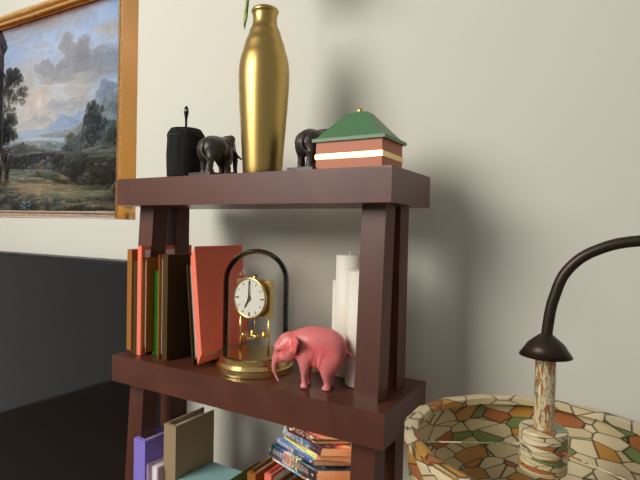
{"hour": 7, "minute": 0}
